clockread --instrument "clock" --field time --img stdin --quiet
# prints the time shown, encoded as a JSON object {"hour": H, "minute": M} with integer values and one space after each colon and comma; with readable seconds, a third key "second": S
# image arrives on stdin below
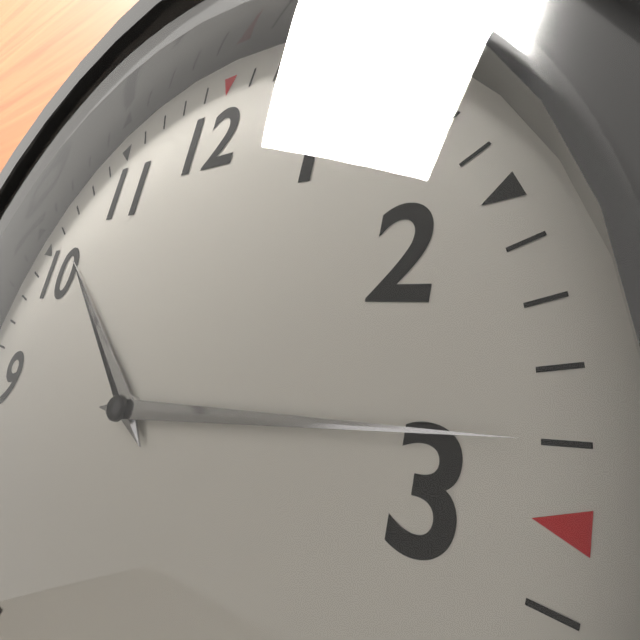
{"hour": 10, "minute": 14}
